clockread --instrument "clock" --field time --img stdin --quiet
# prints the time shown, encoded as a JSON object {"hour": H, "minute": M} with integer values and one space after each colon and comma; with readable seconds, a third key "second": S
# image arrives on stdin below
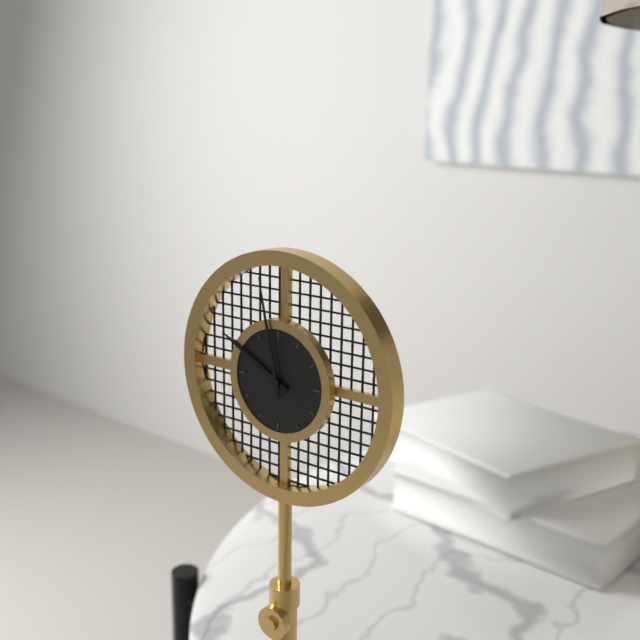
{"hour": 9, "minute": 58}
